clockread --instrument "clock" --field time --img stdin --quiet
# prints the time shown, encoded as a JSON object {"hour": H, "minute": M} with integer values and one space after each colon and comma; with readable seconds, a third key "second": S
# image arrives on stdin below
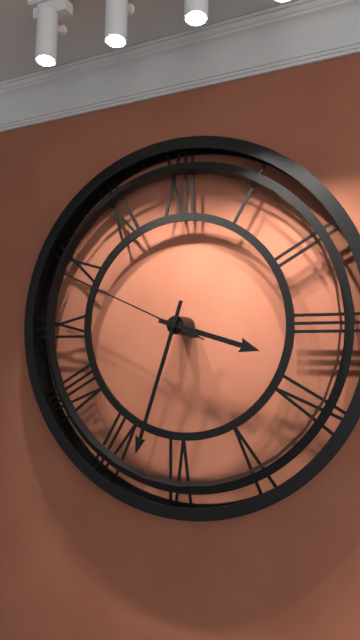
{"hour": 3, "minute": 33, "second": 49}
